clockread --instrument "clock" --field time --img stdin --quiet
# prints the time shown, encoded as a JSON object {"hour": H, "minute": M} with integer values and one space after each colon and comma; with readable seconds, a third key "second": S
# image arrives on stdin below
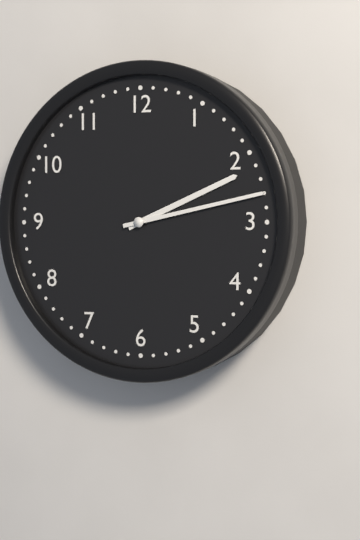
{"hour": 2, "minute": 13}
